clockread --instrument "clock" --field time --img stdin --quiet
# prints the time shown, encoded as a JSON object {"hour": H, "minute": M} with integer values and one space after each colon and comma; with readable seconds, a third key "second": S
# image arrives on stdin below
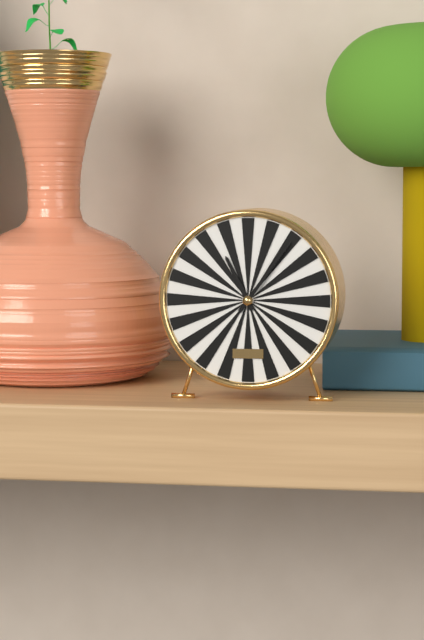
{"hour": 11, "minute": 6}
